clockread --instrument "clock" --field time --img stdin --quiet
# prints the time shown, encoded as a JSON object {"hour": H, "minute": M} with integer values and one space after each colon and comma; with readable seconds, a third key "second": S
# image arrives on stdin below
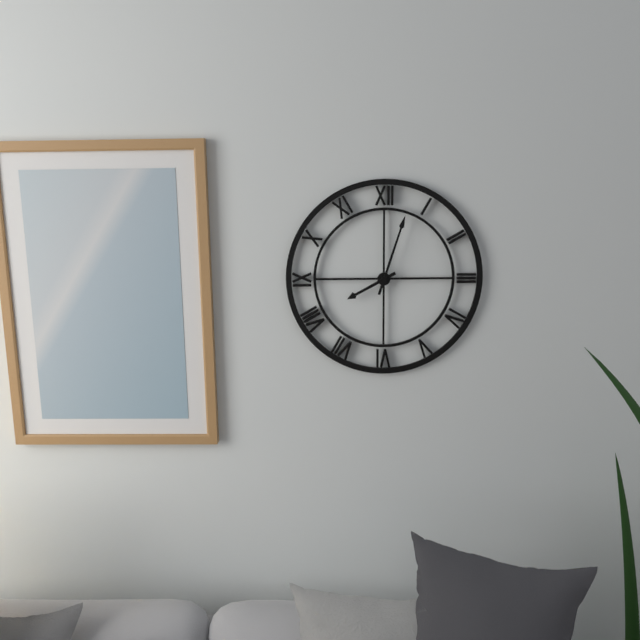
{"hour": 8, "minute": 3}
